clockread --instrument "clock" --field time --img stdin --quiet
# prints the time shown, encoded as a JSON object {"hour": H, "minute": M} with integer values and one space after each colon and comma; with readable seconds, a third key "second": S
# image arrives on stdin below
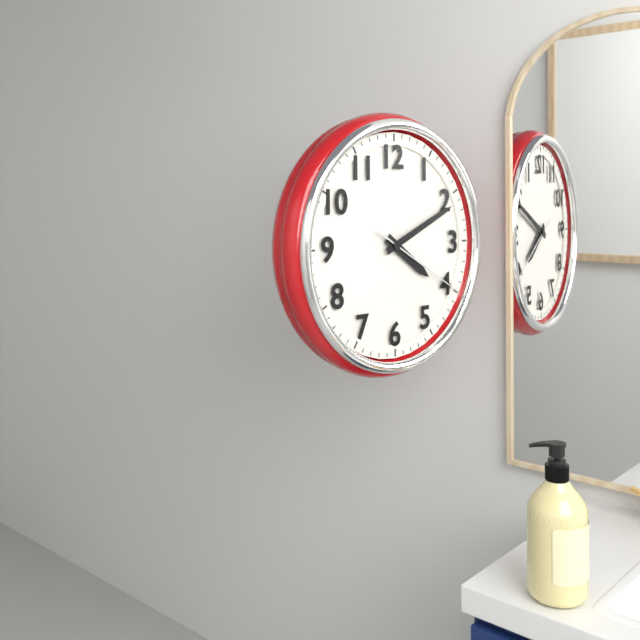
{"hour": 4, "minute": 11, "second": 20}
